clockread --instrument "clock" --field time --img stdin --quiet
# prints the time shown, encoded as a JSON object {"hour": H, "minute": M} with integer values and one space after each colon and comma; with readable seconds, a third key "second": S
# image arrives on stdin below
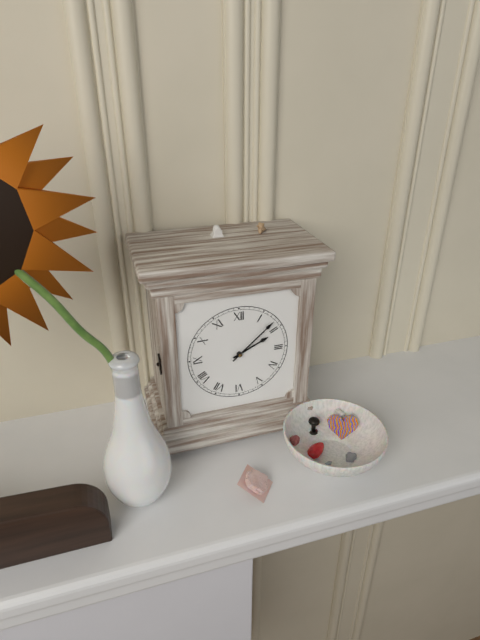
{"hour": 2, "minute": 8}
